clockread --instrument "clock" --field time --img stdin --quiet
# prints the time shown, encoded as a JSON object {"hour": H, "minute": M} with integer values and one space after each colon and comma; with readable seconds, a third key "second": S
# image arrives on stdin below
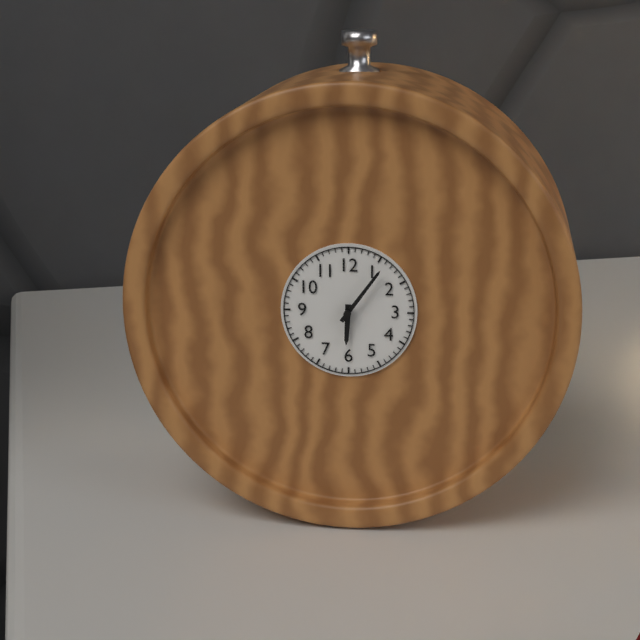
{"hour": 6, "minute": 6}
